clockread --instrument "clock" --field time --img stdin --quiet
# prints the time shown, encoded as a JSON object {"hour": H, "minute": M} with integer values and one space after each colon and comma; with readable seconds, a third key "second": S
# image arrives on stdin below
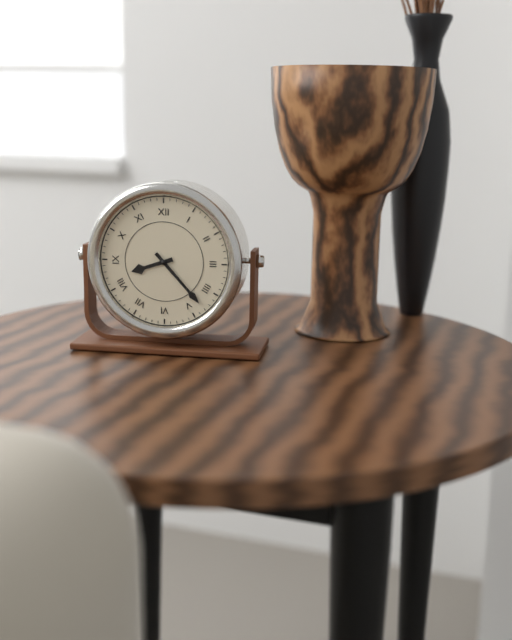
{"hour": 8, "minute": 23}
